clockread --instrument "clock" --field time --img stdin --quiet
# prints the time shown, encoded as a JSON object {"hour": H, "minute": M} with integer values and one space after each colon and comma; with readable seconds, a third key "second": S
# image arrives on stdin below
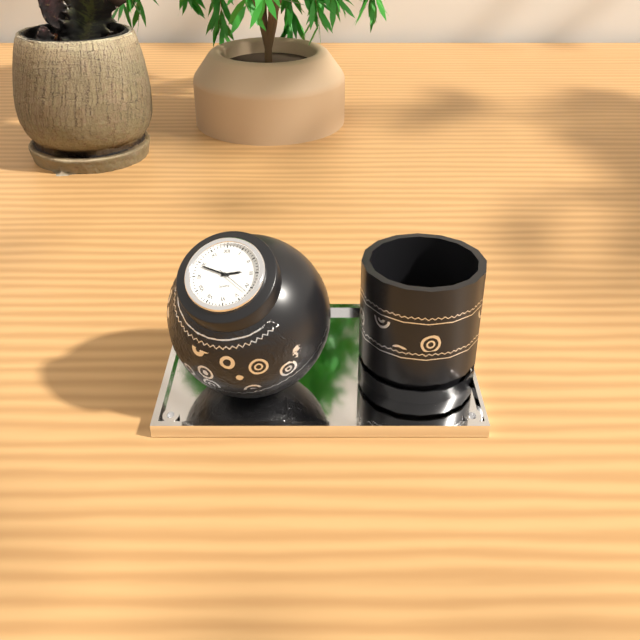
{"hour": 2, "minute": 49}
